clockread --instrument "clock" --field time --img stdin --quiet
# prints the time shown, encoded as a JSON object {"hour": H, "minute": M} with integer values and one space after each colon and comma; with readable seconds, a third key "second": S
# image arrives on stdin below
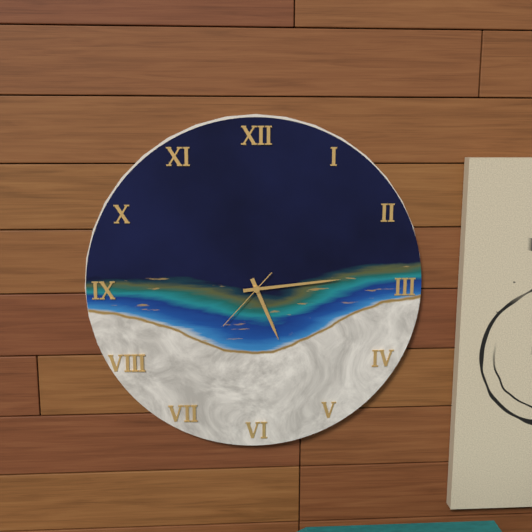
{"hour": 5, "minute": 14, "second": 37}
